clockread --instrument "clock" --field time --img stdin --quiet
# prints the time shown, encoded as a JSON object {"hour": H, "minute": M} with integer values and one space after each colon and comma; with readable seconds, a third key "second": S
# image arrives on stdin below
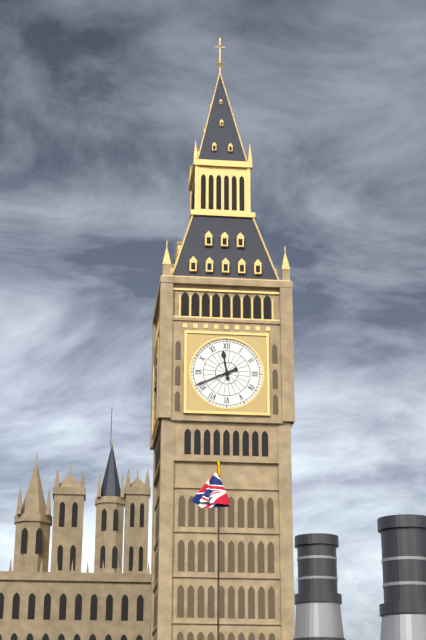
{"hour": 11, "minute": 41}
